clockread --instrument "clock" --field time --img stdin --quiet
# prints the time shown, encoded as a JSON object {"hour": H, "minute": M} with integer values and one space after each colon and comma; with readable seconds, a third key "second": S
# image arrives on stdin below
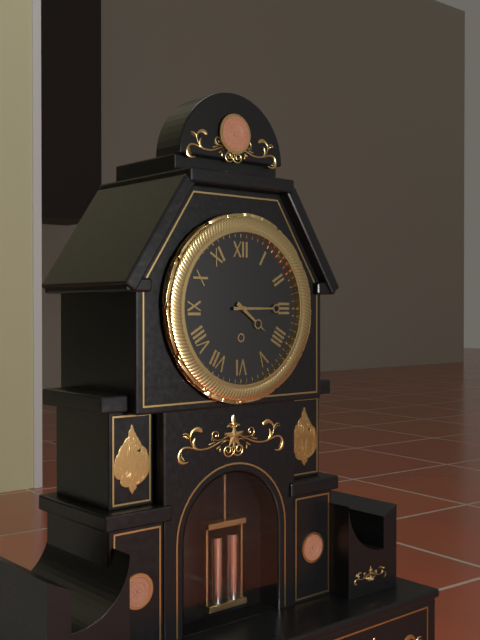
{"hour": 4, "minute": 15}
